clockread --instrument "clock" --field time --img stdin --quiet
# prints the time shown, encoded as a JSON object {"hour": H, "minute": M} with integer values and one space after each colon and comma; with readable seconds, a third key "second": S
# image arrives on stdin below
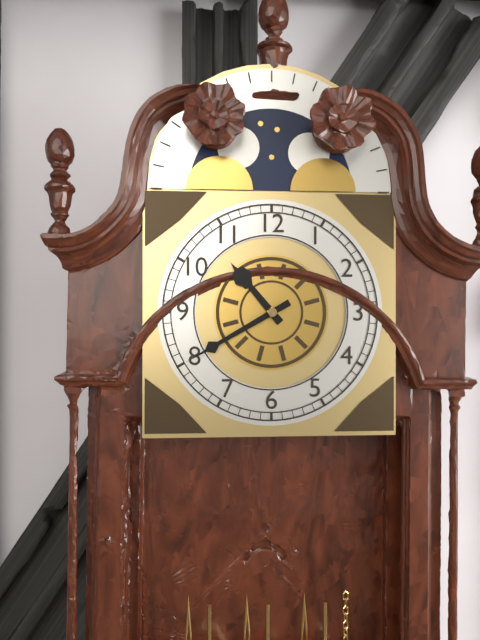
{"hour": 10, "minute": 40}
